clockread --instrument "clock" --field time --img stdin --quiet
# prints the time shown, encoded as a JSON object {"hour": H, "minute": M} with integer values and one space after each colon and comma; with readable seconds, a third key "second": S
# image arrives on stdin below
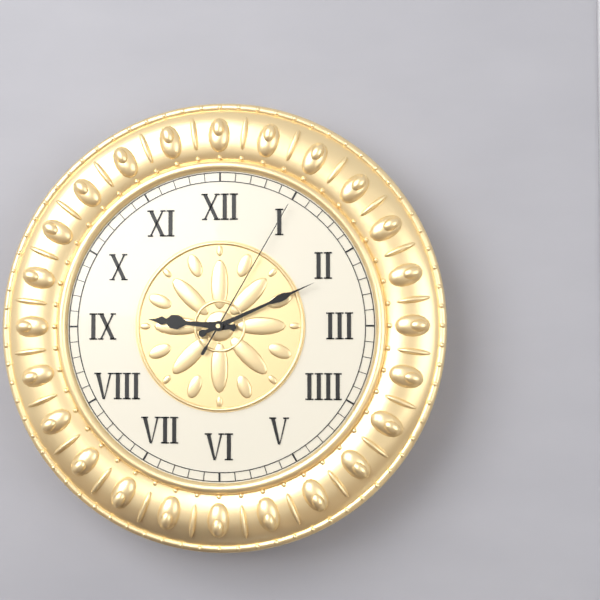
{"hour": 9, "minute": 11, "second": 5}
